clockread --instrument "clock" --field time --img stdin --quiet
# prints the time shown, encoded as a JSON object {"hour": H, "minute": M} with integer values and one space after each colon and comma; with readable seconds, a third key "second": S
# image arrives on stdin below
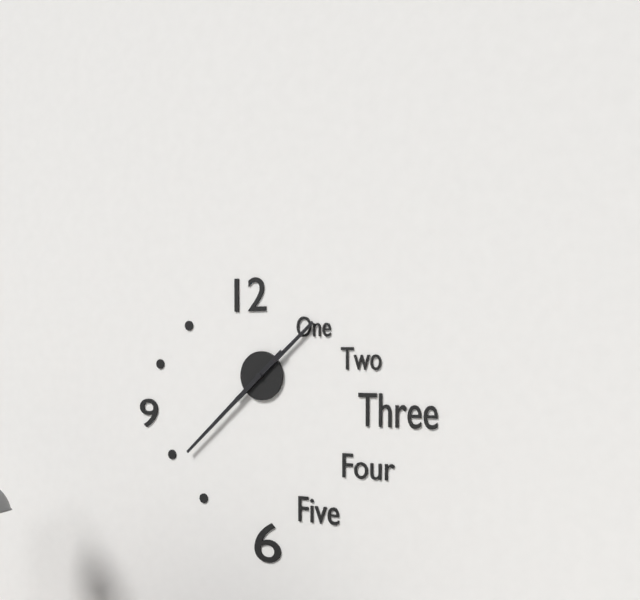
{"hour": 1, "minute": 38}
